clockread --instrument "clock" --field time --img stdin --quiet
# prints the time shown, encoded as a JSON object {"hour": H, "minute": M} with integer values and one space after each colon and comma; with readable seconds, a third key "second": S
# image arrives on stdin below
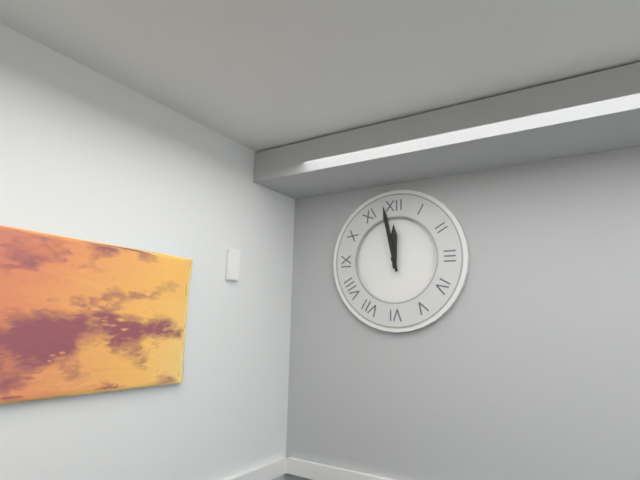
{"hour": 11, "minute": 58}
